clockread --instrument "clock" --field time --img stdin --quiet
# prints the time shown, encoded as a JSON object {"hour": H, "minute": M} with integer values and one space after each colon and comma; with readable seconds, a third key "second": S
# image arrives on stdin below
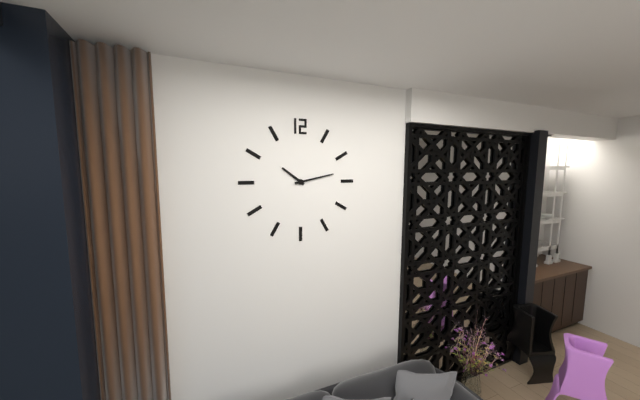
{"hour": 10, "minute": 13}
